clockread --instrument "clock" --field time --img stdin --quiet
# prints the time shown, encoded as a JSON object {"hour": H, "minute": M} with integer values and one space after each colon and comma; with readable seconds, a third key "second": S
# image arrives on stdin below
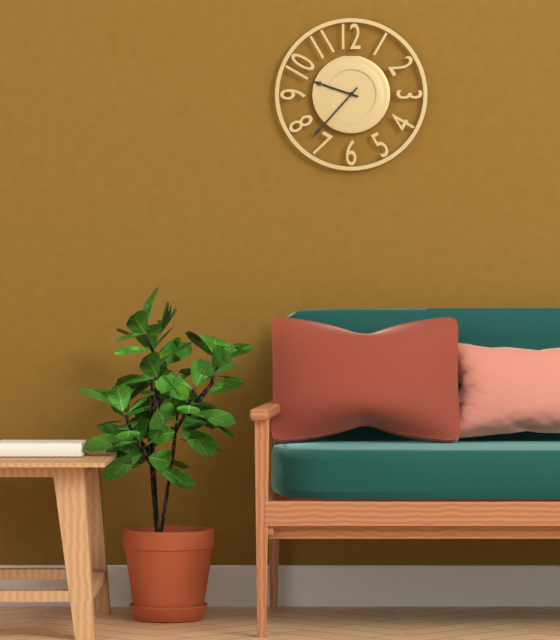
{"hour": 9, "minute": 37}
